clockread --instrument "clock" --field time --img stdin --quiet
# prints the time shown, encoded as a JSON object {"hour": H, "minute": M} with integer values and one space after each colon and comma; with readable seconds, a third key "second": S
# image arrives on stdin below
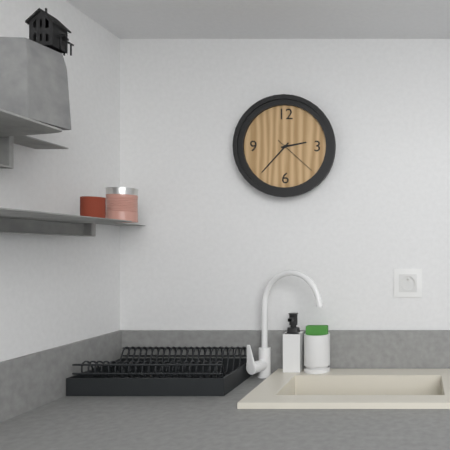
{"hour": 2, "minute": 37}
